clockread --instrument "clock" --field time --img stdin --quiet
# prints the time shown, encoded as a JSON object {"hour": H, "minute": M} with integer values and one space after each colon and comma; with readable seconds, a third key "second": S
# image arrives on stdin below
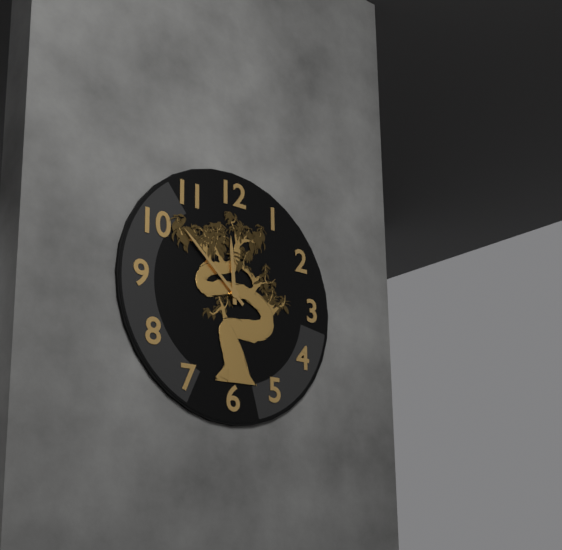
{"hour": 11, "minute": 52}
